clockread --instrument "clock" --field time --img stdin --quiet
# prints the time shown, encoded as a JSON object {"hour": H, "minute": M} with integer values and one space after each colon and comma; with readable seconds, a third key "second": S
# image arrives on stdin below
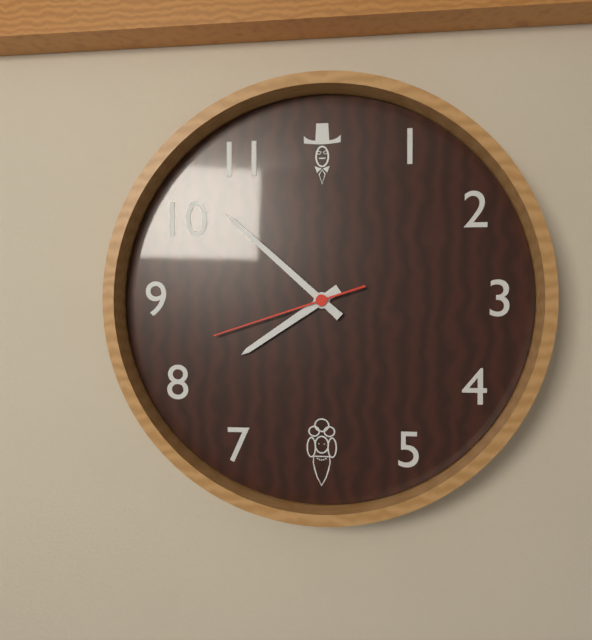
{"hour": 7, "minute": 52, "second": 42}
